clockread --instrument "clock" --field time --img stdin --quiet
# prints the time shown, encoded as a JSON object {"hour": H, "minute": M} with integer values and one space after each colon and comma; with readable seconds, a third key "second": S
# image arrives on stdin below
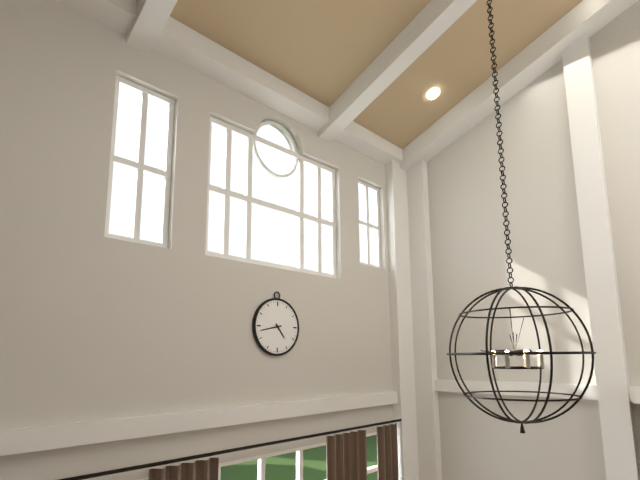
{"hour": 4, "minute": 43}
